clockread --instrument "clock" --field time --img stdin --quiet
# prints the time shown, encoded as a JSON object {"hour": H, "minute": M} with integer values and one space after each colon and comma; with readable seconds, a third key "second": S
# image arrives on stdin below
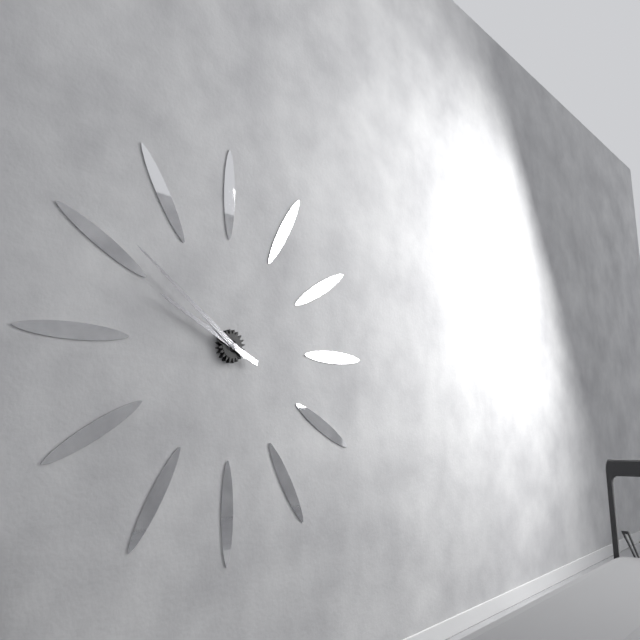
{"hour": 9, "minute": 51}
